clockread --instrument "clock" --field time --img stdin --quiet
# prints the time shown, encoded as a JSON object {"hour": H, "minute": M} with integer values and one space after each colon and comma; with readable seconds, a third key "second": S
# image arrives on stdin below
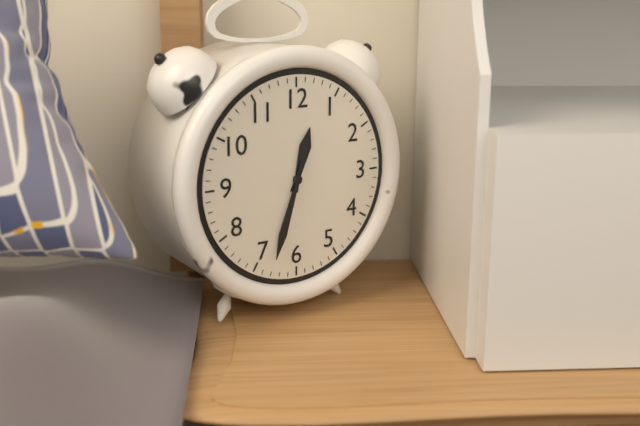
{"hour": 12, "minute": 33}
